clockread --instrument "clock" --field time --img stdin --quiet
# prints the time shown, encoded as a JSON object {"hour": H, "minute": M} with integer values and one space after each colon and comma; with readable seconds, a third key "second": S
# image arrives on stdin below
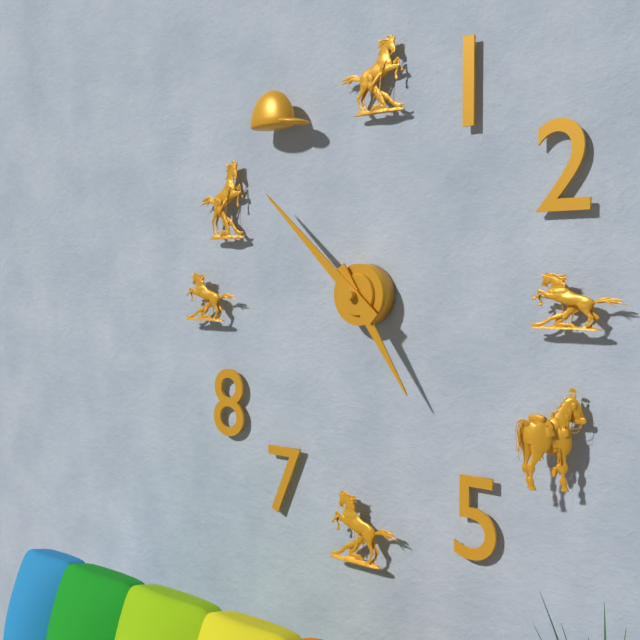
{"hour": 4, "minute": 52}
